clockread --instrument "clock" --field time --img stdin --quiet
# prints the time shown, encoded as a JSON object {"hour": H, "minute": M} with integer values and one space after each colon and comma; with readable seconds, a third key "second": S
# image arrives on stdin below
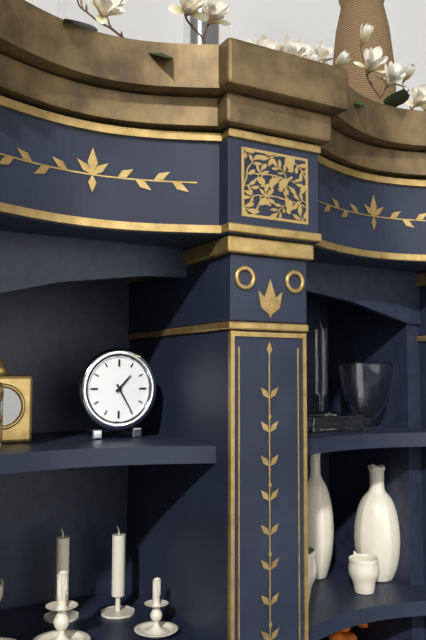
{"hour": 1, "minute": 25}
